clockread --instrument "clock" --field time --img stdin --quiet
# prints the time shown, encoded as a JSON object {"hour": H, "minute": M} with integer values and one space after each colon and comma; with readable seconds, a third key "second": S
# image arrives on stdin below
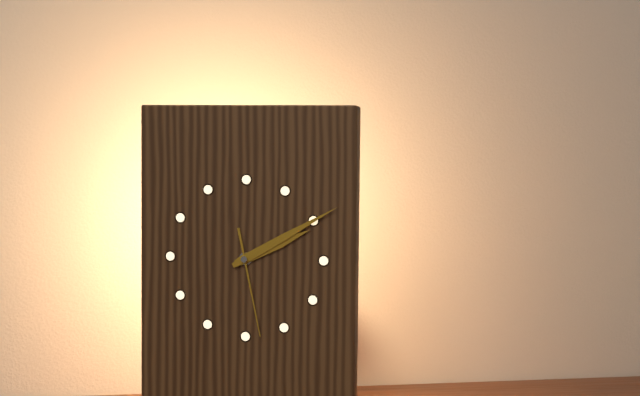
{"hour": 2, "minute": 10, "second": 28}
